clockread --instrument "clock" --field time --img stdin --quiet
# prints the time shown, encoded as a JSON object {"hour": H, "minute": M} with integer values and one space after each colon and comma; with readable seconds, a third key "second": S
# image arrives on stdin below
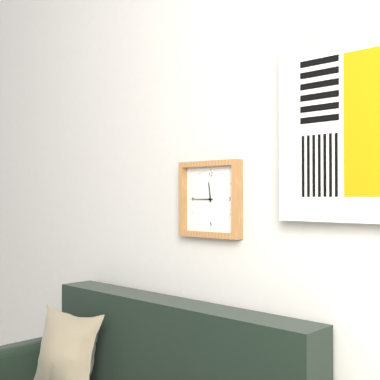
{"hour": 11, "minute": 45}
